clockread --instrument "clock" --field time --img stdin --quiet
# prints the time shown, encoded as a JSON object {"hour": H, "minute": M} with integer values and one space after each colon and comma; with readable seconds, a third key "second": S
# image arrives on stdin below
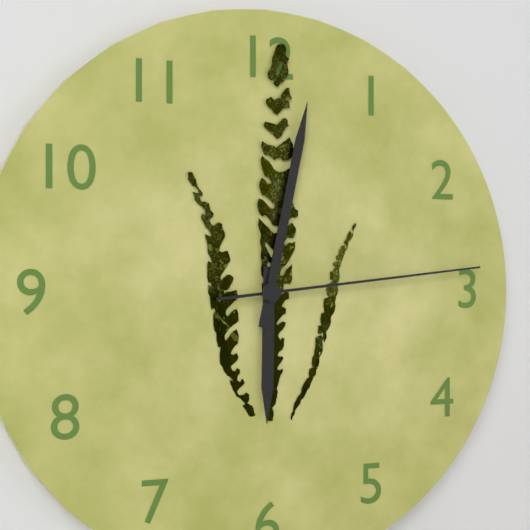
{"hour": 6, "minute": 2, "second": 14}
